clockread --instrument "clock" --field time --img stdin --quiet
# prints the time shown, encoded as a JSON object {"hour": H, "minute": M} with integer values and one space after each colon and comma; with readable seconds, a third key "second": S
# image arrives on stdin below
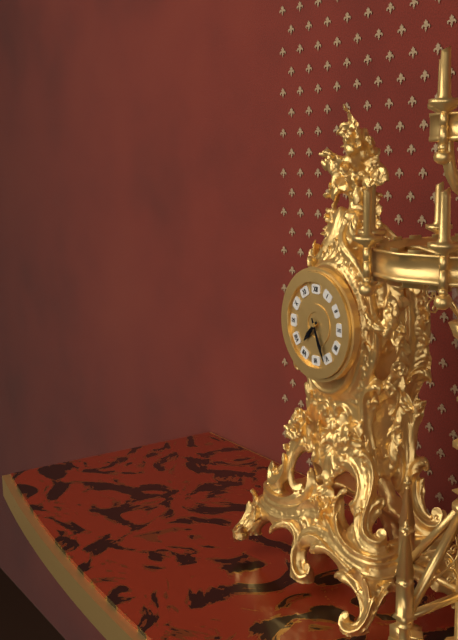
{"hour": 7, "minute": 26}
